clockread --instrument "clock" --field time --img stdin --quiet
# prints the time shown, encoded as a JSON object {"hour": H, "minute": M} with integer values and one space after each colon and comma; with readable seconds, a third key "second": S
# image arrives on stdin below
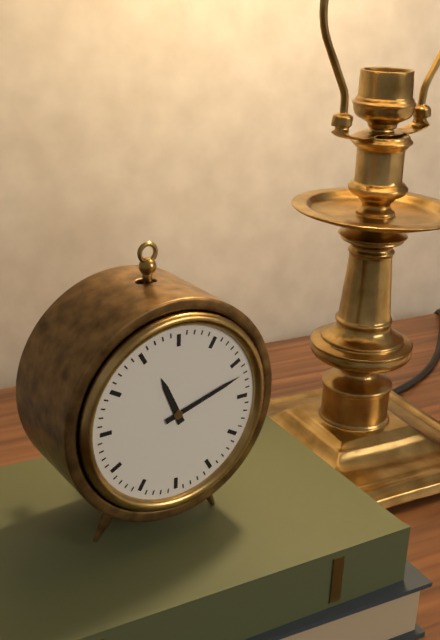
{"hour": 11, "minute": 12}
